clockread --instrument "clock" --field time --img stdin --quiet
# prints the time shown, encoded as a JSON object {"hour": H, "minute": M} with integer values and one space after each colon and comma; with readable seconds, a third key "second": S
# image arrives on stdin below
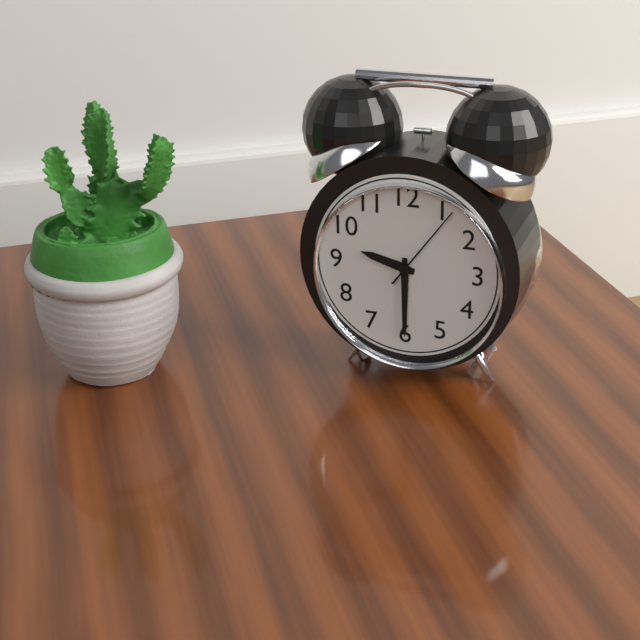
{"hour": 9, "minute": 30, "second": 6}
